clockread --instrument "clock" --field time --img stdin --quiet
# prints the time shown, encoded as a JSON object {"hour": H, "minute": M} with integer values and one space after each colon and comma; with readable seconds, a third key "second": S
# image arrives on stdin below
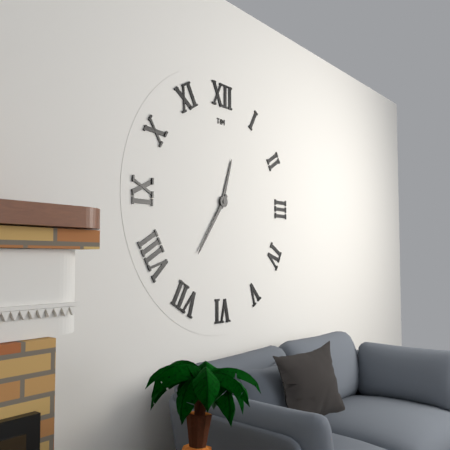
{"hour": 12, "minute": 36}
